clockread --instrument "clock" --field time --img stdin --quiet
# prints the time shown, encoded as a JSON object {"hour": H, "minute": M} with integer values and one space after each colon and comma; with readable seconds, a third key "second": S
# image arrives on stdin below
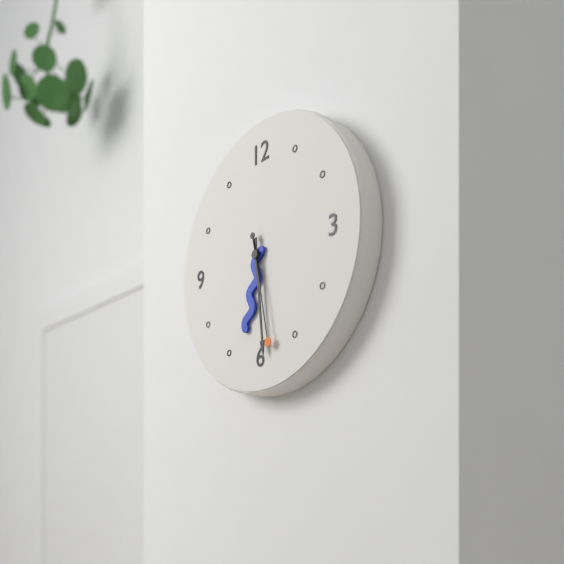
{"hour": 6, "minute": 29, "second": 28}
